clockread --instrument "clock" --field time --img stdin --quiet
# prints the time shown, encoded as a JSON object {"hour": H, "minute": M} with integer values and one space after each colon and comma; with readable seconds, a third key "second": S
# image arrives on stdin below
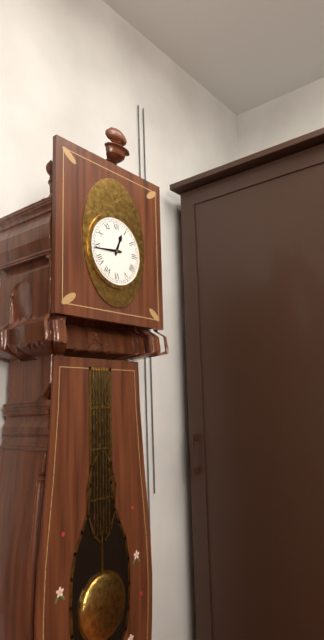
{"hour": 12, "minute": 44}
